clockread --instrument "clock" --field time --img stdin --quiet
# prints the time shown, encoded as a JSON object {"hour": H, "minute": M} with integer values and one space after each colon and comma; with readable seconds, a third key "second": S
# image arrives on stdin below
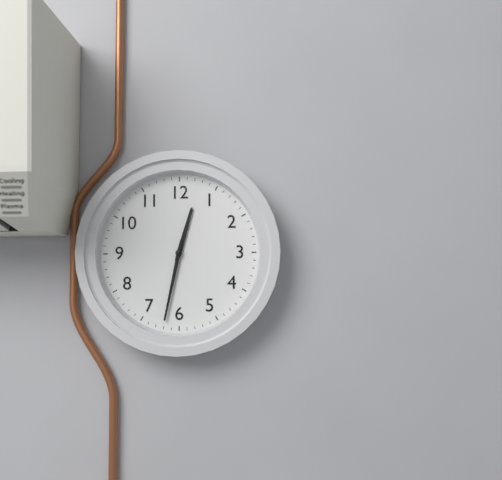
{"hour": 12, "minute": 32}
